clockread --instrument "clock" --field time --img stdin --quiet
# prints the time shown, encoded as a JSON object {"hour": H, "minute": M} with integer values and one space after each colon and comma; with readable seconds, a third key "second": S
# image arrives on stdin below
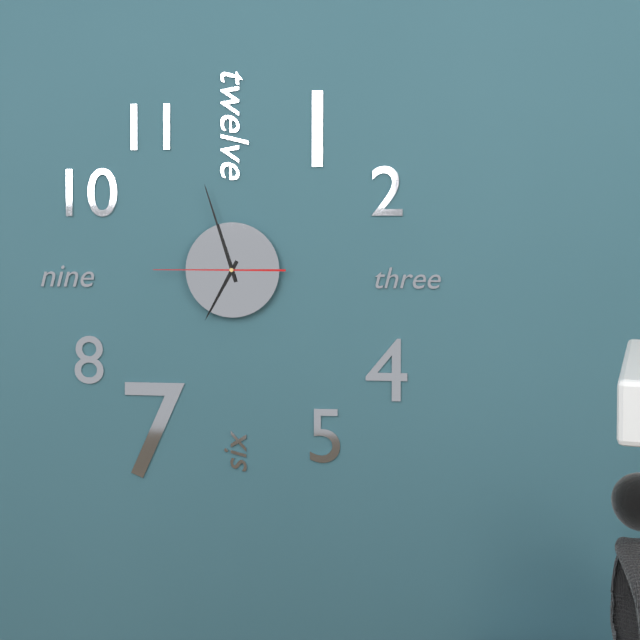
{"hour": 6, "minute": 57, "second": 45}
